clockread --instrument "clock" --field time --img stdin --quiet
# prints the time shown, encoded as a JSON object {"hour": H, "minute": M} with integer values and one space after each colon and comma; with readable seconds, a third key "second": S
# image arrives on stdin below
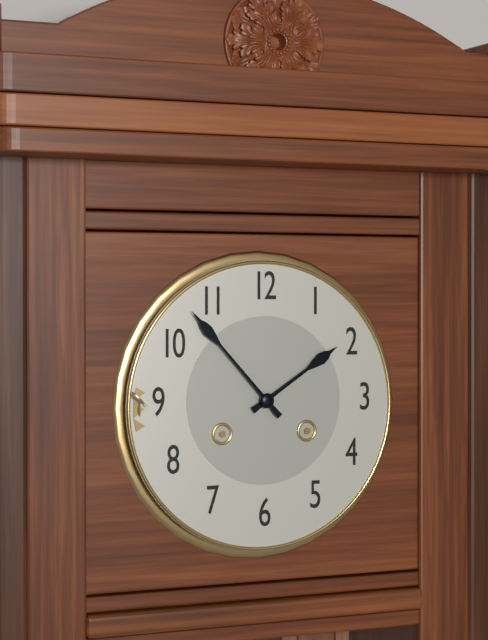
{"hour": 1, "minute": 53}
